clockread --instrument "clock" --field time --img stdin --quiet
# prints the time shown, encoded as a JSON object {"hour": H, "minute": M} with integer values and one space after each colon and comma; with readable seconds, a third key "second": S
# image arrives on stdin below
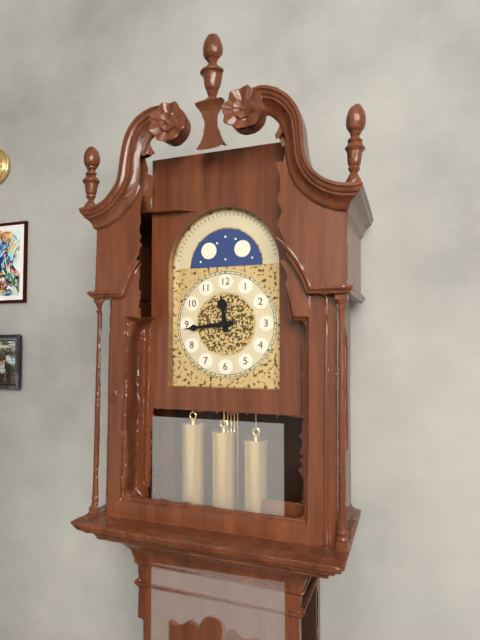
{"hour": 11, "minute": 44}
